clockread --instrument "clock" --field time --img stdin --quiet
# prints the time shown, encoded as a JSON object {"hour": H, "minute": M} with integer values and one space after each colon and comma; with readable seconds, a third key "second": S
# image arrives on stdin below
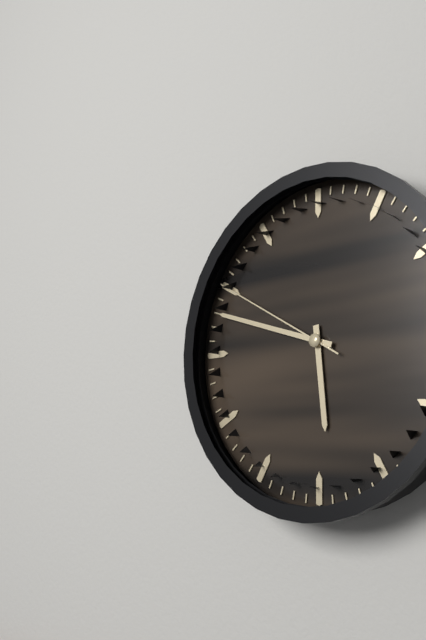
{"hour": 5, "minute": 48, "second": 50}
